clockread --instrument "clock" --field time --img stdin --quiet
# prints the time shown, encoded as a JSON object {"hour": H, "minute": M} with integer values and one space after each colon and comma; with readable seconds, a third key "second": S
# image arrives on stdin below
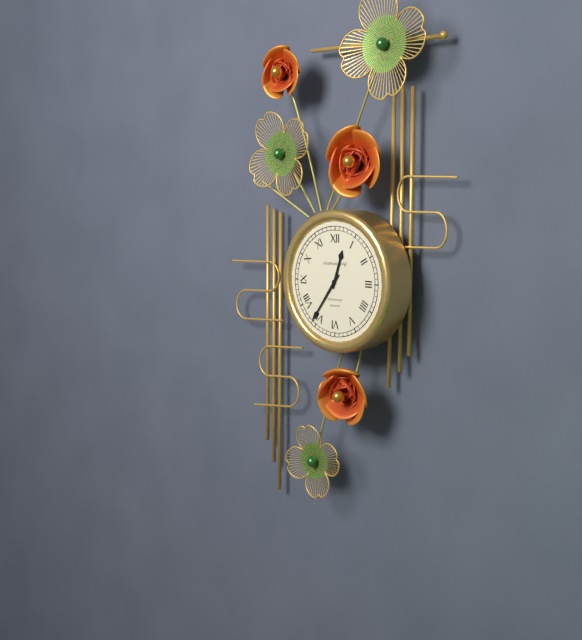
{"hour": 12, "minute": 36}
